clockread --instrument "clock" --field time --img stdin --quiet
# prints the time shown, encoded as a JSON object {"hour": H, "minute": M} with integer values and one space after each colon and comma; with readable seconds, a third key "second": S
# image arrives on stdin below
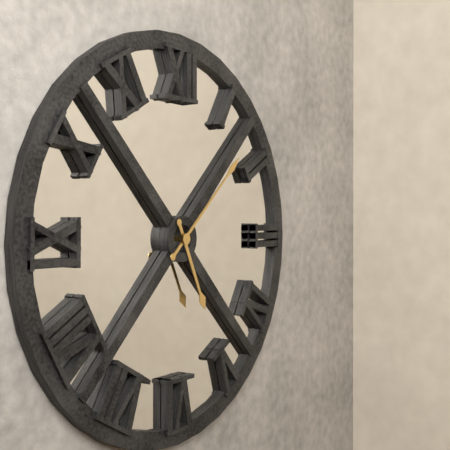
{"hour": 5, "minute": 8}
